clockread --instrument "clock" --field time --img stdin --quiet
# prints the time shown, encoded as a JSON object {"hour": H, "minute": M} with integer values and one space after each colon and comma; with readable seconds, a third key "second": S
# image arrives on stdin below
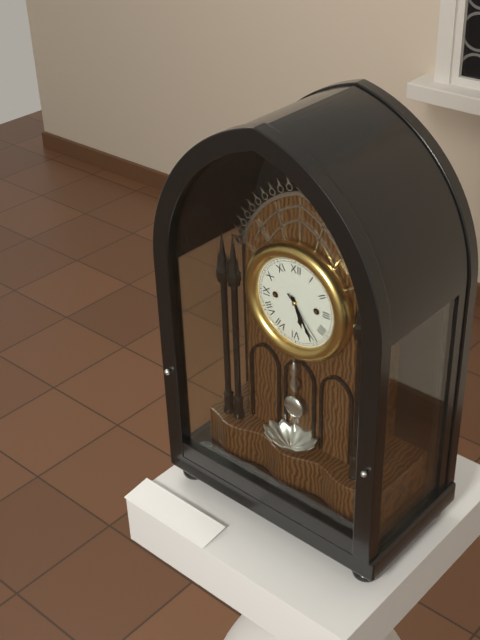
{"hour": 5, "minute": 25, "second": 23}
